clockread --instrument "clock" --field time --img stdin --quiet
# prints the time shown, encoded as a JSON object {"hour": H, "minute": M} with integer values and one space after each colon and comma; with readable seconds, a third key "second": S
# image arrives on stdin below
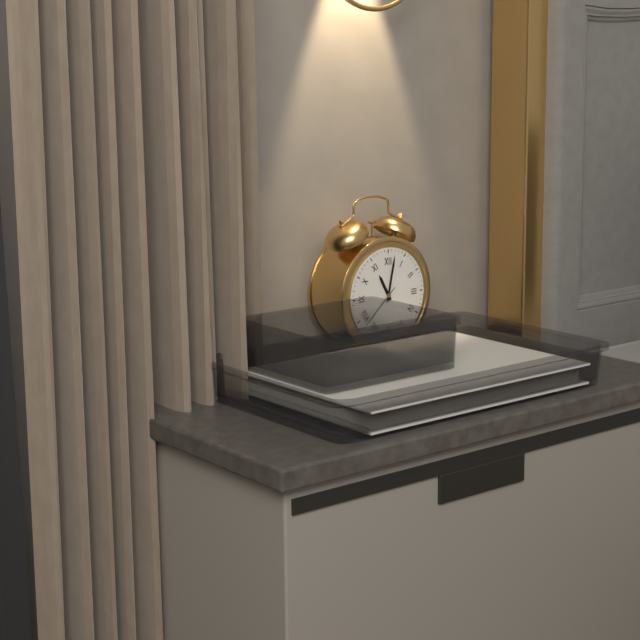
{"hour": 11, "minute": 2}
